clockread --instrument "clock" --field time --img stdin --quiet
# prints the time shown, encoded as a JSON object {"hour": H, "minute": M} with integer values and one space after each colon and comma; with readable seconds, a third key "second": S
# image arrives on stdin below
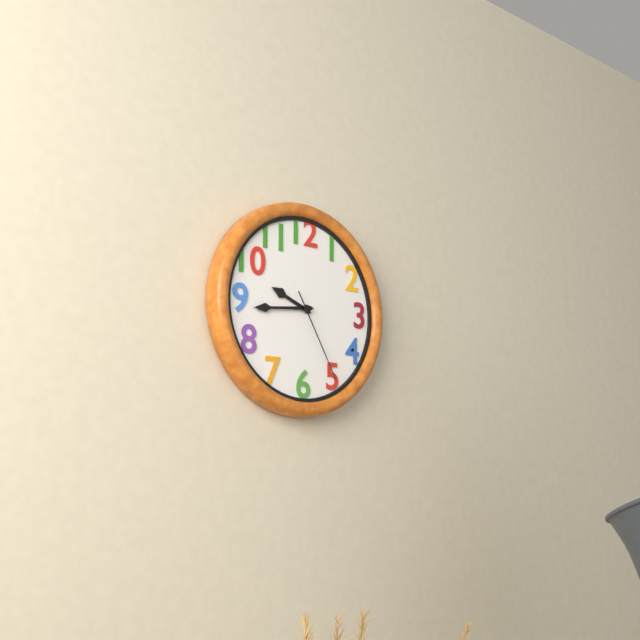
{"hour": 9, "minute": 44, "second": 25}
